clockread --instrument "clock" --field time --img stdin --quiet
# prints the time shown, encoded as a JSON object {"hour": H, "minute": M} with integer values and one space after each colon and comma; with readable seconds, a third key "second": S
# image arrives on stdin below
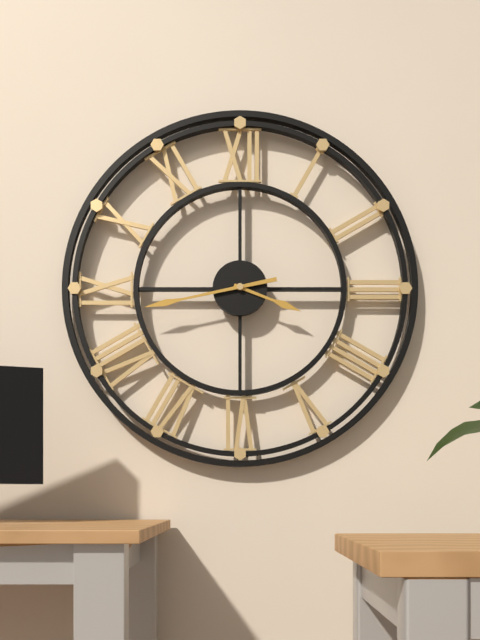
{"hour": 3, "minute": 43}
